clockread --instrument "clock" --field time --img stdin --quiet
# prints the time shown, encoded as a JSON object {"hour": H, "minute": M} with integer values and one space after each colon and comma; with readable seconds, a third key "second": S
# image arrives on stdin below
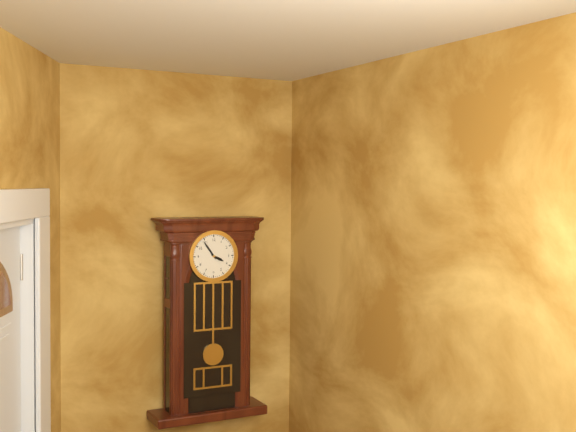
{"hour": 3, "minute": 54}
